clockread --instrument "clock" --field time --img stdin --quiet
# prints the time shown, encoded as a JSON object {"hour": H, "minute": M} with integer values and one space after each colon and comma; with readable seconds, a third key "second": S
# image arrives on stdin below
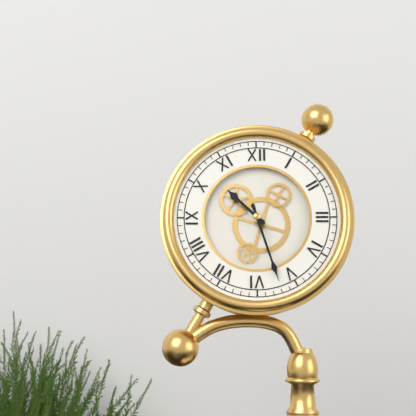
{"hour": 10, "minute": 27}
